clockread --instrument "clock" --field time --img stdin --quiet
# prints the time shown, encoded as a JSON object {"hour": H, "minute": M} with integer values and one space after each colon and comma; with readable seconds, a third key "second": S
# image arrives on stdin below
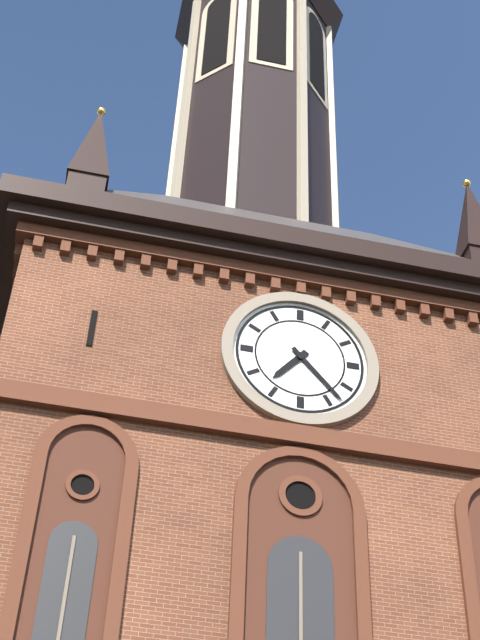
{"hour": 7, "minute": 23}
